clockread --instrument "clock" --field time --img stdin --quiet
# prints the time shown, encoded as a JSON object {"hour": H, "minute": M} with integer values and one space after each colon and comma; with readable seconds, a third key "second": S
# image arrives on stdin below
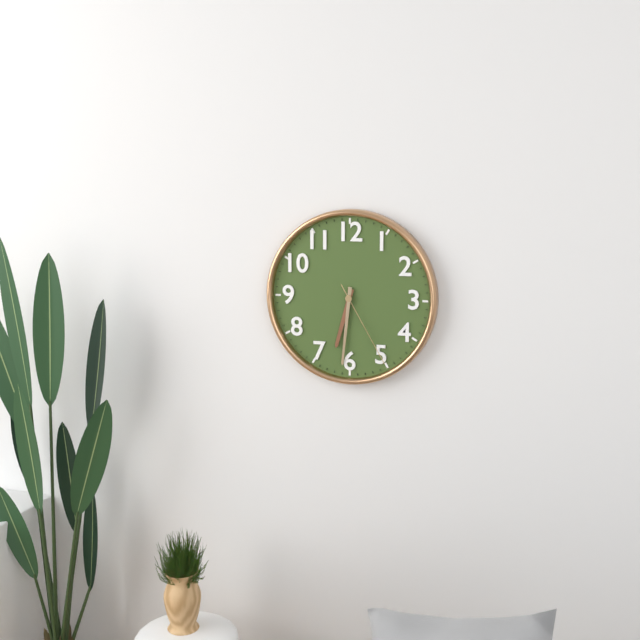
{"hour": 6, "minute": 31, "second": 25}
